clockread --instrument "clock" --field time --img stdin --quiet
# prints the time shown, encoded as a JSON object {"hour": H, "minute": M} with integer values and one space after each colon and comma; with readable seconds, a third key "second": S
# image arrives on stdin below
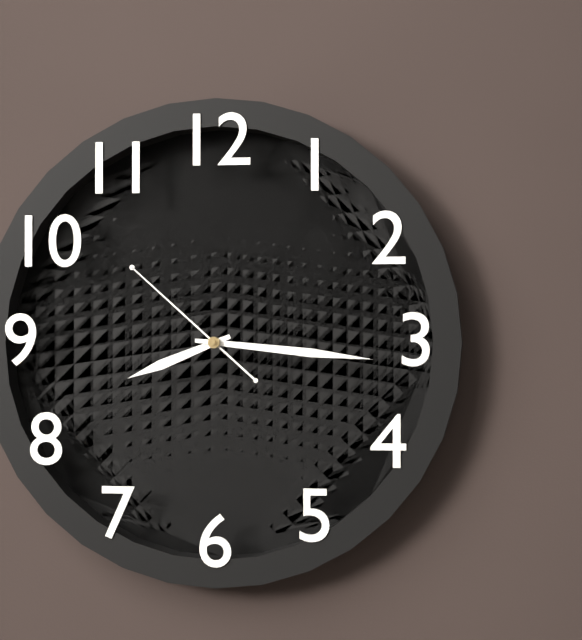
{"hour": 8, "minute": 16, "second": 52}
